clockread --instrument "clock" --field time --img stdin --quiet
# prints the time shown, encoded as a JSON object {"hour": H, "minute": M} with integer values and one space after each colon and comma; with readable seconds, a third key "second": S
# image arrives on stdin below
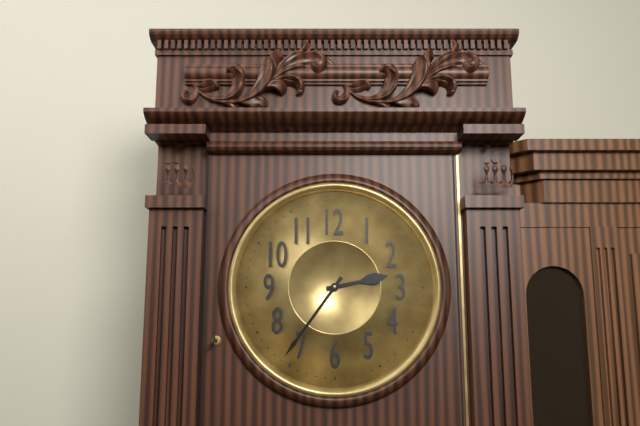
{"hour": 2, "minute": 36}
